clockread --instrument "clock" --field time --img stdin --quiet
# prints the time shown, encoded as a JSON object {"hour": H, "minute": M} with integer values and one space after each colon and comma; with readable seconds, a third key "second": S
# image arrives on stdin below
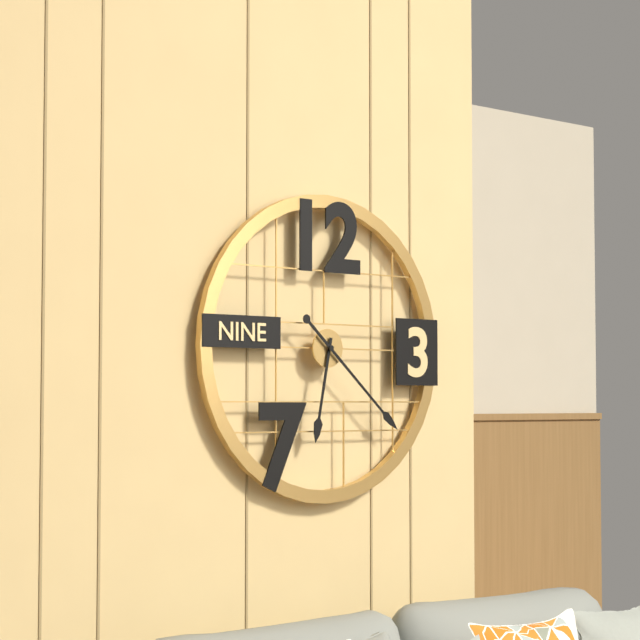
{"hour": 6, "minute": 22}
